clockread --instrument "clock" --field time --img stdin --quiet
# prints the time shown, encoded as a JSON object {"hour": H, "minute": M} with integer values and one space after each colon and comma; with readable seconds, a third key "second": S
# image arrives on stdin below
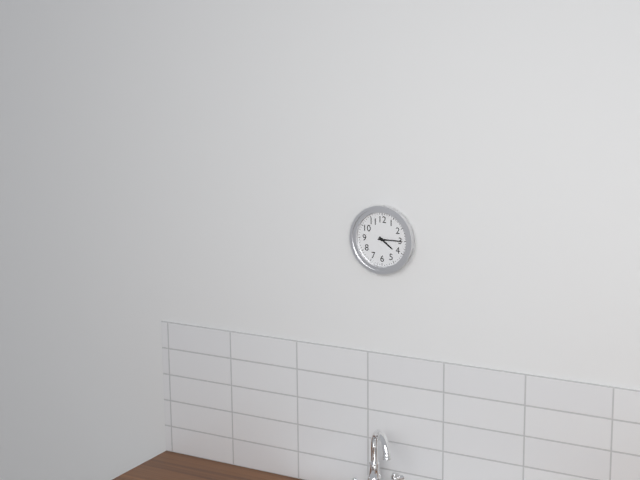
{"hour": 4, "minute": 15}
